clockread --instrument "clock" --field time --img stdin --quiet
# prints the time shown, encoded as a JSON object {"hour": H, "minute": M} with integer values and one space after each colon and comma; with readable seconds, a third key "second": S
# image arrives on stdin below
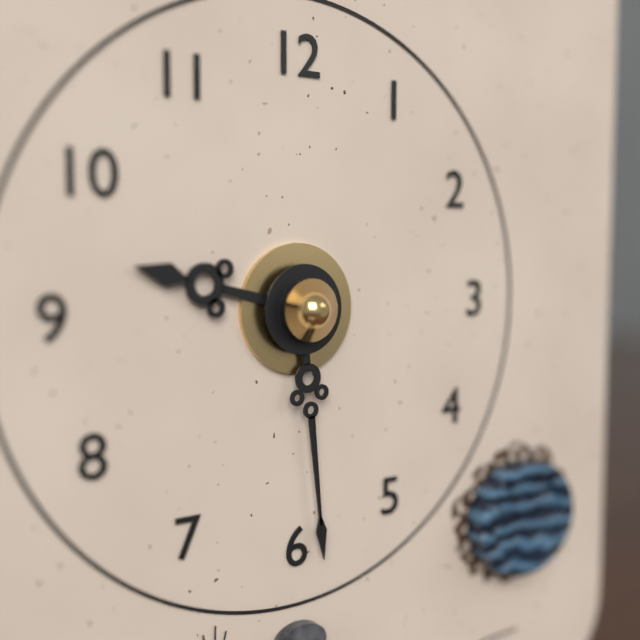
{"hour": 9, "minute": 29}
